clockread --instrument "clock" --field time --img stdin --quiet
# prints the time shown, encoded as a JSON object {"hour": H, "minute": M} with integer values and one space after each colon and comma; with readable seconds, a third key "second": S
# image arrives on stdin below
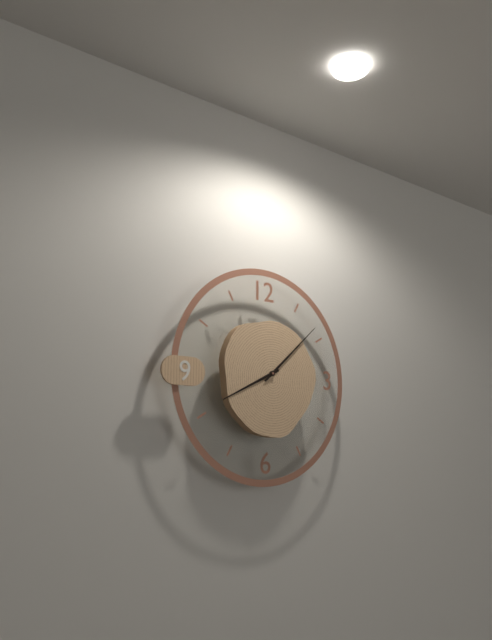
{"hour": 8, "minute": 8}
